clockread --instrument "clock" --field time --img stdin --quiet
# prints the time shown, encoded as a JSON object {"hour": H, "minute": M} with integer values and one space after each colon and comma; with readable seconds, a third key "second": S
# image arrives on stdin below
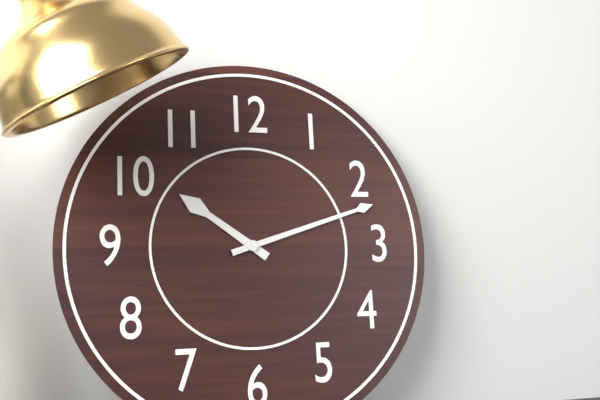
{"hour": 10, "minute": 12}
